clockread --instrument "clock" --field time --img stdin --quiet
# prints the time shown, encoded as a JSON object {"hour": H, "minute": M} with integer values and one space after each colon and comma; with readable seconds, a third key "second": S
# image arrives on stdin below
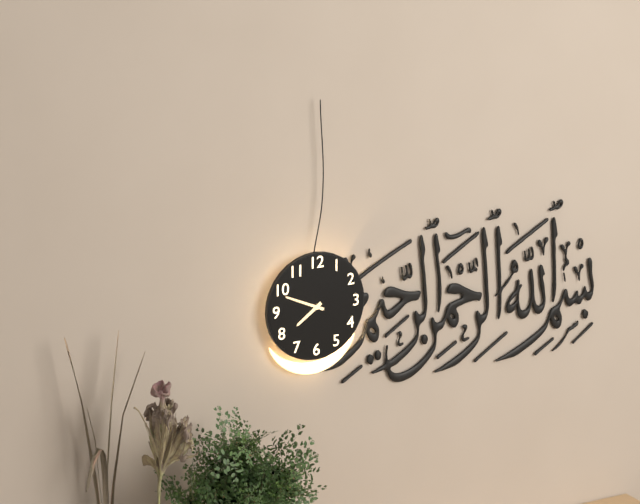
{"hour": 7, "minute": 49}
